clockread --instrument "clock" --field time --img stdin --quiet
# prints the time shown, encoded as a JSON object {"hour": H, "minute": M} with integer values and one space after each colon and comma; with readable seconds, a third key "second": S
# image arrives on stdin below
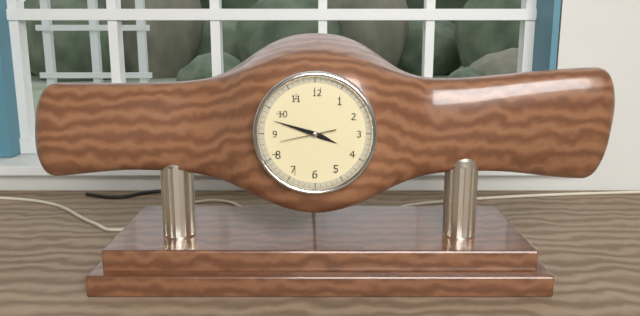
{"hour": 3, "minute": 48}
